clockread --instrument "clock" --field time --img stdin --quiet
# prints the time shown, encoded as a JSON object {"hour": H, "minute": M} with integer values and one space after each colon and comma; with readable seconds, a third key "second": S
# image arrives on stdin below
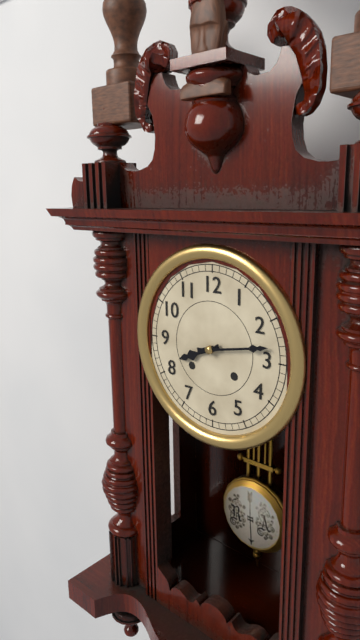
{"hour": 8, "minute": 13}
